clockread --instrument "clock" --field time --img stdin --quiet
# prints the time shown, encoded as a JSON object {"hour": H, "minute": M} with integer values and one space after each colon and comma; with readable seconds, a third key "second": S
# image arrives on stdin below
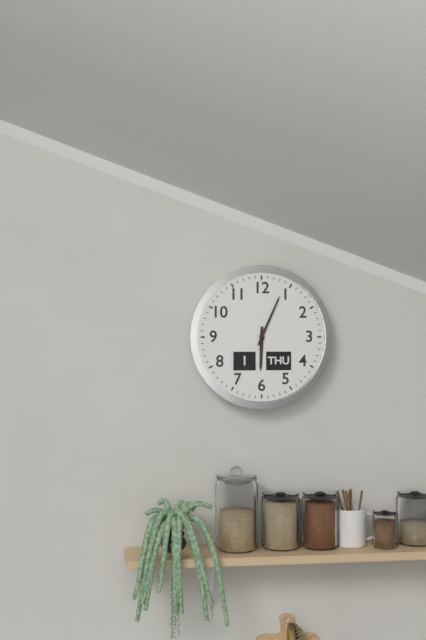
{"hour": 6, "minute": 4}
